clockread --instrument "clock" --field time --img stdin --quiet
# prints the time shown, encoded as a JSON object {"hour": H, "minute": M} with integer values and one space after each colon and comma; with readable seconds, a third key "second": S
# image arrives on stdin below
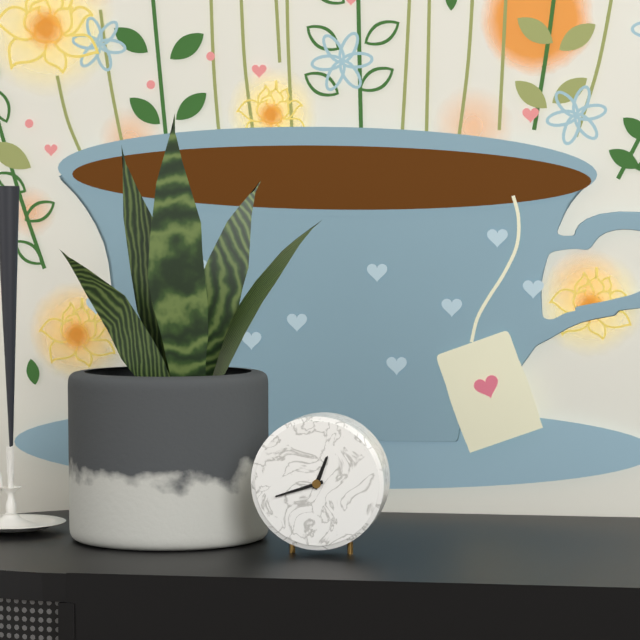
{"hour": 12, "minute": 42}
